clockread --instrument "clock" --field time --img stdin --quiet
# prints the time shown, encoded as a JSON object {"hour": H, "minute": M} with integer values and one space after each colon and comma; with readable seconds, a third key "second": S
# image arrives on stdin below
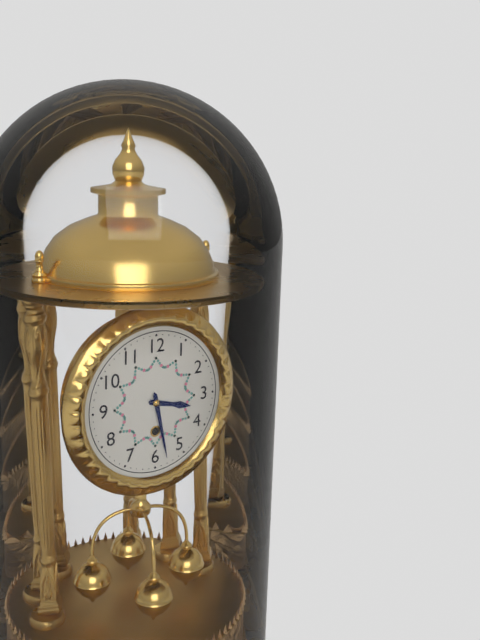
{"hour": 3, "minute": 28}
